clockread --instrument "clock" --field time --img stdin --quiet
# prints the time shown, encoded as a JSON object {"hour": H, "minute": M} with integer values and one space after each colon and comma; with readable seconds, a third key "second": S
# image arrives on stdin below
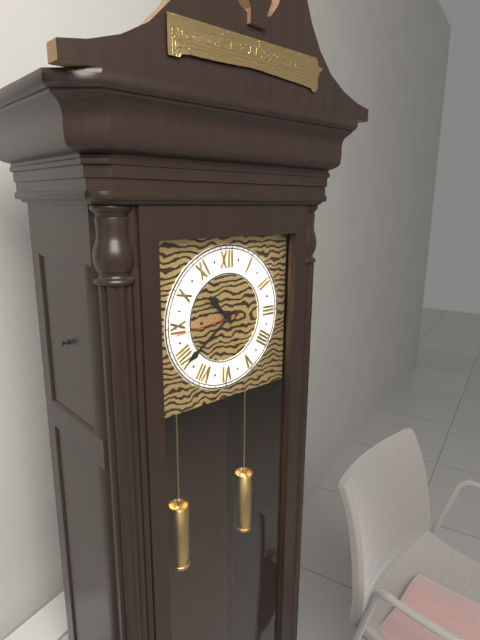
{"hour": 10, "minute": 39, "second": 44}
